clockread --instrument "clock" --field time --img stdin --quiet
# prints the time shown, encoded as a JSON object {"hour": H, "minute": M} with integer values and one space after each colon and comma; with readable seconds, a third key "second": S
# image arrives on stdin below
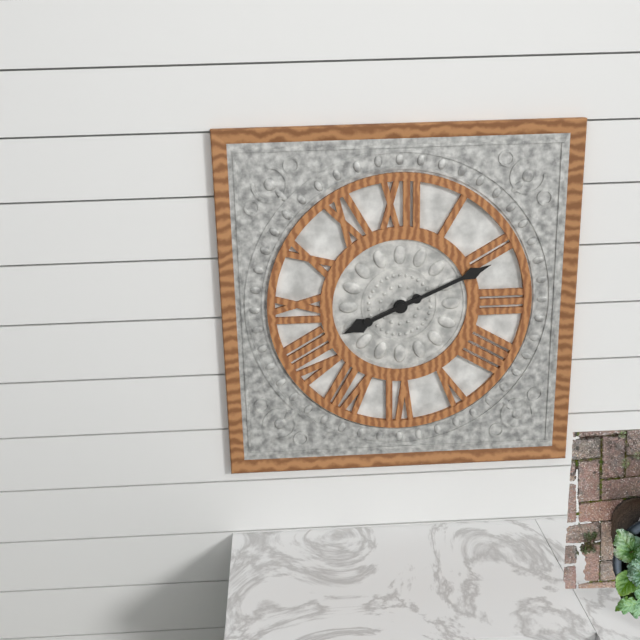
{"hour": 8, "minute": 11}
